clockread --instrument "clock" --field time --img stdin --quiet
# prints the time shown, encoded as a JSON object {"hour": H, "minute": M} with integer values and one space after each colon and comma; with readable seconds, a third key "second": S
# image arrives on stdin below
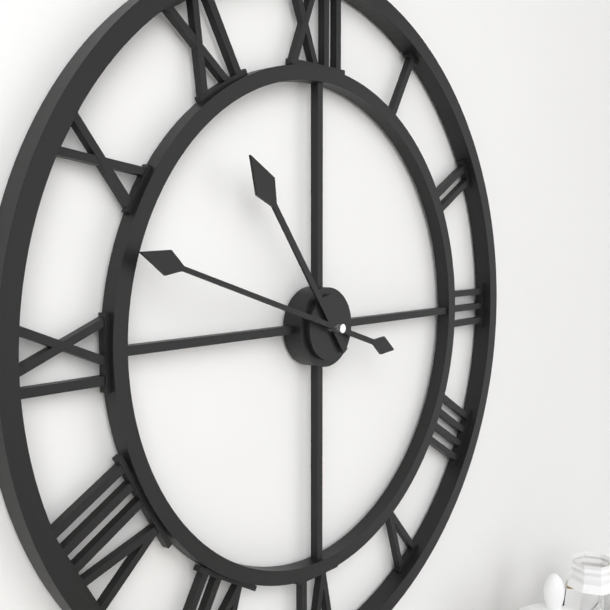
{"hour": 10, "minute": 48}
